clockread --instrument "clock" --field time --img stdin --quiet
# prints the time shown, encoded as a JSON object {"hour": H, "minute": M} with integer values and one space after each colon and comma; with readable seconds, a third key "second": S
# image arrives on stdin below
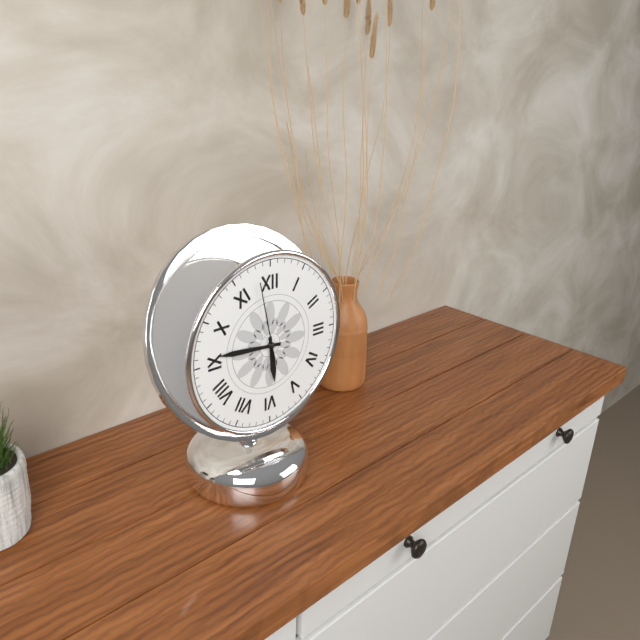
{"hour": 5, "minute": 46, "second": 58}
